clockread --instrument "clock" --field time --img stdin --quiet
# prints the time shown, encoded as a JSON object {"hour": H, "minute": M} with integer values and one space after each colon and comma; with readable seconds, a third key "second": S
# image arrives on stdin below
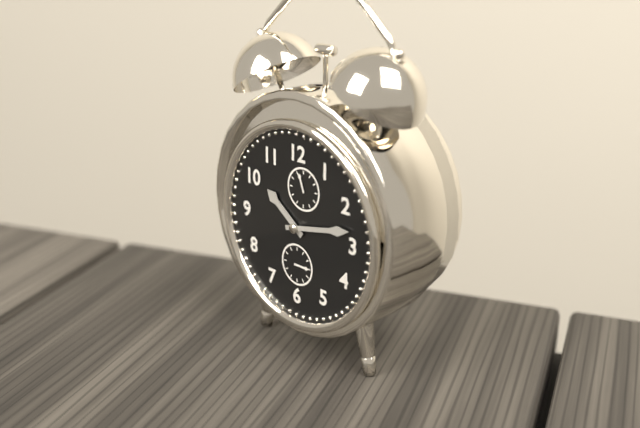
{"hour": 10, "minute": 13}
